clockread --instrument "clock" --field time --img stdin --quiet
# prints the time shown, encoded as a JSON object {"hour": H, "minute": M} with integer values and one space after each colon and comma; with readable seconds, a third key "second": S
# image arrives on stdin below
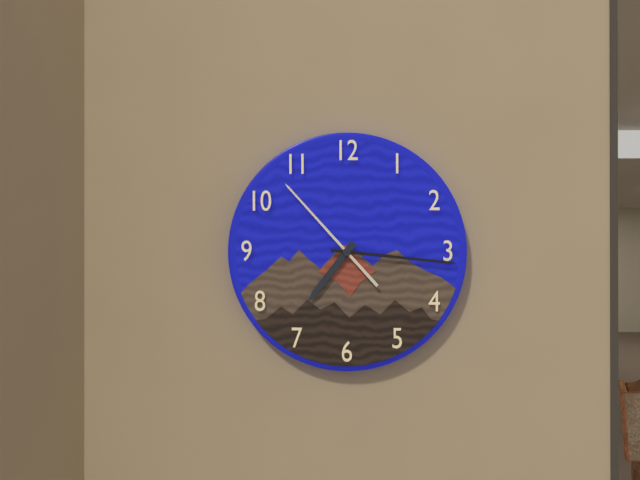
{"hour": 7, "minute": 16, "second": 53}
